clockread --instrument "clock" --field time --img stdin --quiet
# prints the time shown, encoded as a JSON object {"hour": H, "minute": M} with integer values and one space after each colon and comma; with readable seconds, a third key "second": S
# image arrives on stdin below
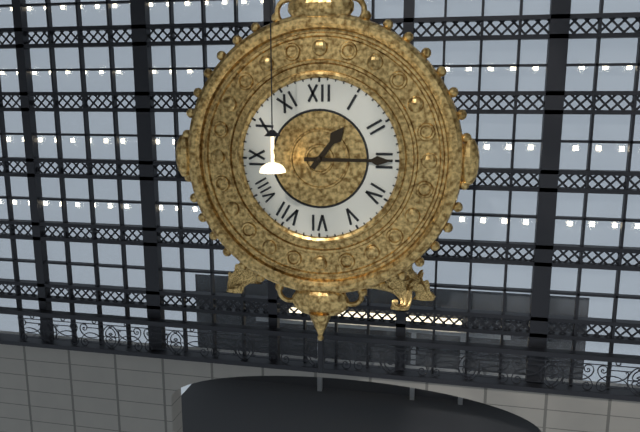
{"hour": 1, "minute": 15}
